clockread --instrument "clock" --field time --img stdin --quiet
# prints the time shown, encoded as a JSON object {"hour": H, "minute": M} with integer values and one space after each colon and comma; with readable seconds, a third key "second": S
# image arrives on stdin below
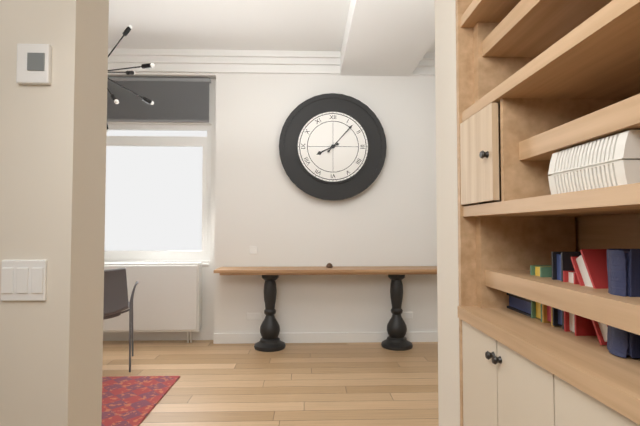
{"hour": 8, "minute": 7}
